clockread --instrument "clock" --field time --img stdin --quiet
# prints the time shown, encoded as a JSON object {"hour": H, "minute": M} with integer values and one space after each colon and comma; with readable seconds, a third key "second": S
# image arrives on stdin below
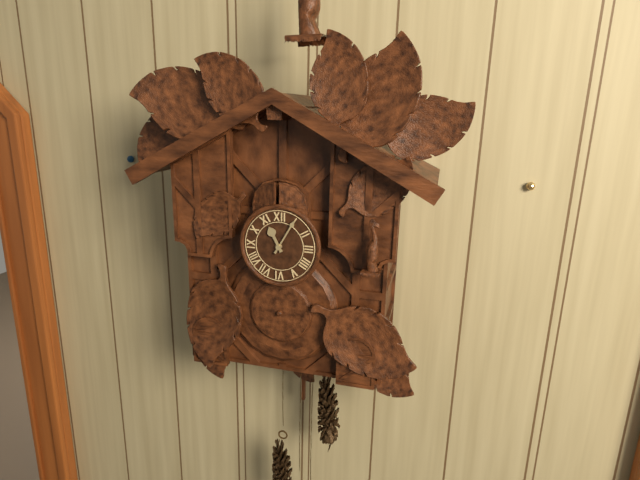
{"hour": 11, "minute": 5}
